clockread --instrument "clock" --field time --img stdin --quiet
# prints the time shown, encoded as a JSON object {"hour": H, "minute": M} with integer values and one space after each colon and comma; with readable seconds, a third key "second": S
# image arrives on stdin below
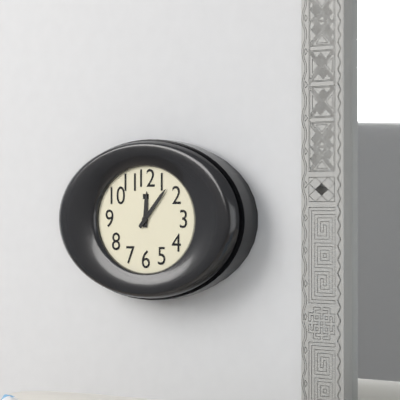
{"hour": 12, "minute": 7}
